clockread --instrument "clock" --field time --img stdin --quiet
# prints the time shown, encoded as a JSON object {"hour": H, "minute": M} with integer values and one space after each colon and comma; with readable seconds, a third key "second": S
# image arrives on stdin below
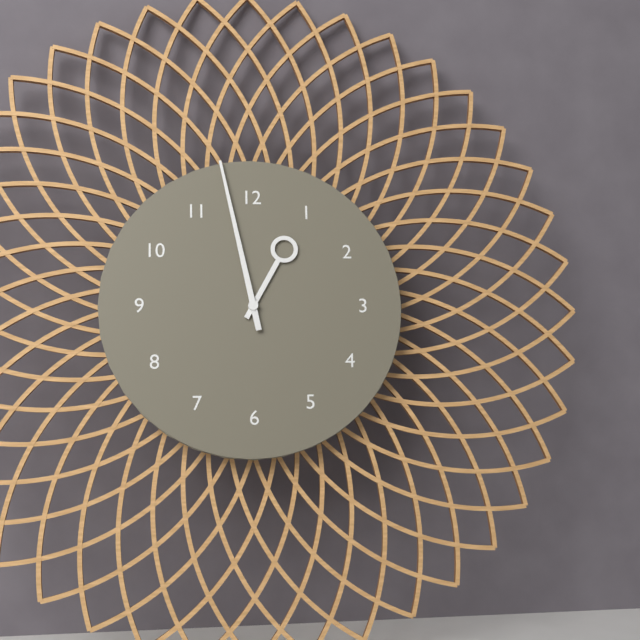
{"hour": 12, "minute": 58}
